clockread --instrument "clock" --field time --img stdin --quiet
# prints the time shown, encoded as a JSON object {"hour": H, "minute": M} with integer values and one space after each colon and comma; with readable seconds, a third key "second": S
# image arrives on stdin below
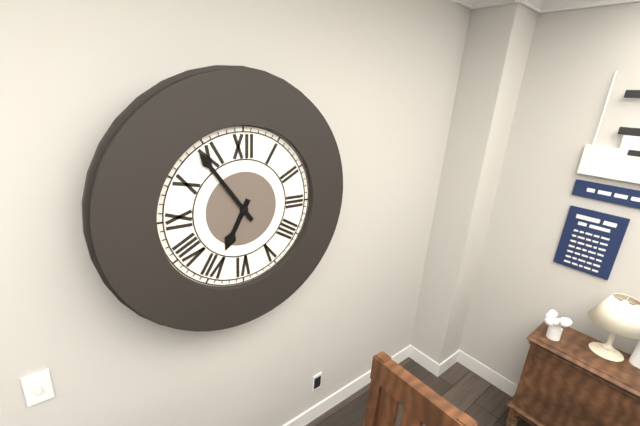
{"hour": 6, "minute": 54}
